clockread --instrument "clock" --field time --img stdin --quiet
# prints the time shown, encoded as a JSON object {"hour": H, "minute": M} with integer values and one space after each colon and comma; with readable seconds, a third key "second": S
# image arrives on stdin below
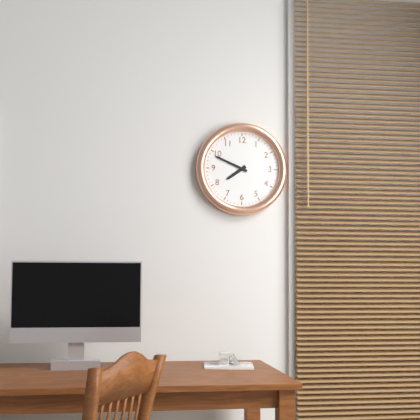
{"hour": 7, "minute": 49}
